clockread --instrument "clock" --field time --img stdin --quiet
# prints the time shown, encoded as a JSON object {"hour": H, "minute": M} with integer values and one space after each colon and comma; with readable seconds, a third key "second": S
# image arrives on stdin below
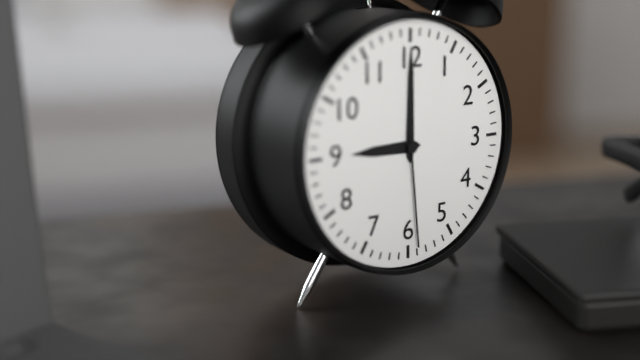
{"hour": 9, "minute": 0, "second": 29}
